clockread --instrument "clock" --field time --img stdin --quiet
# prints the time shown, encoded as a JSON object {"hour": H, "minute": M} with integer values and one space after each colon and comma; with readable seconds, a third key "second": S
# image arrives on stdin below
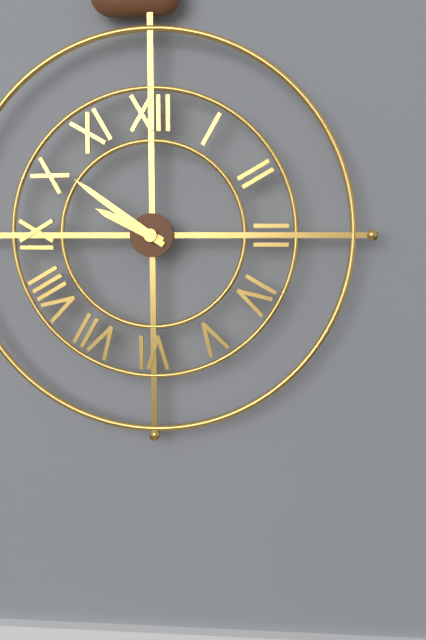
{"hour": 9, "minute": 51}
